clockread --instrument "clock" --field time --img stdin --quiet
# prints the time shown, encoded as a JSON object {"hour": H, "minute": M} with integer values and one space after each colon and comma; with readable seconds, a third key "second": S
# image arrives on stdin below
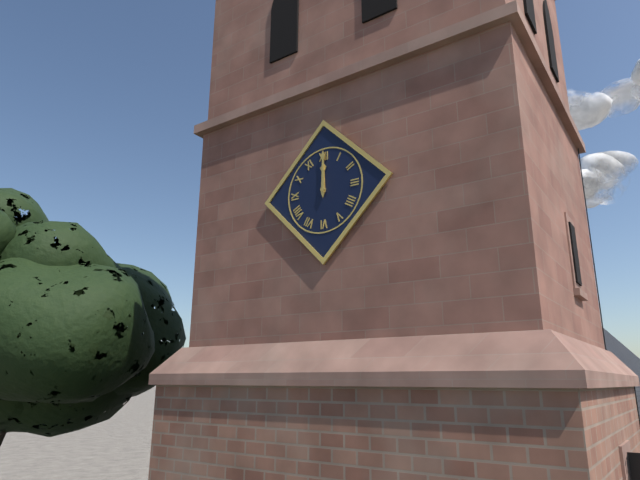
{"hour": 12, "minute": 0}
